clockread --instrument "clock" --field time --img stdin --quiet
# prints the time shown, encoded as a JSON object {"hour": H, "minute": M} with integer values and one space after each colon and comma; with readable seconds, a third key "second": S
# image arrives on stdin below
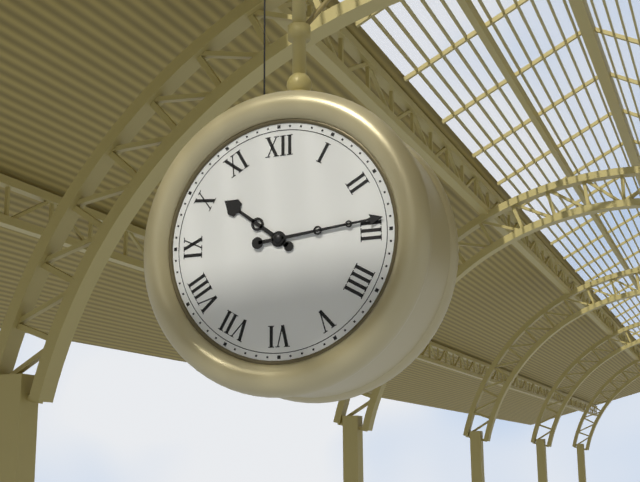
{"hour": 10, "minute": 14}
